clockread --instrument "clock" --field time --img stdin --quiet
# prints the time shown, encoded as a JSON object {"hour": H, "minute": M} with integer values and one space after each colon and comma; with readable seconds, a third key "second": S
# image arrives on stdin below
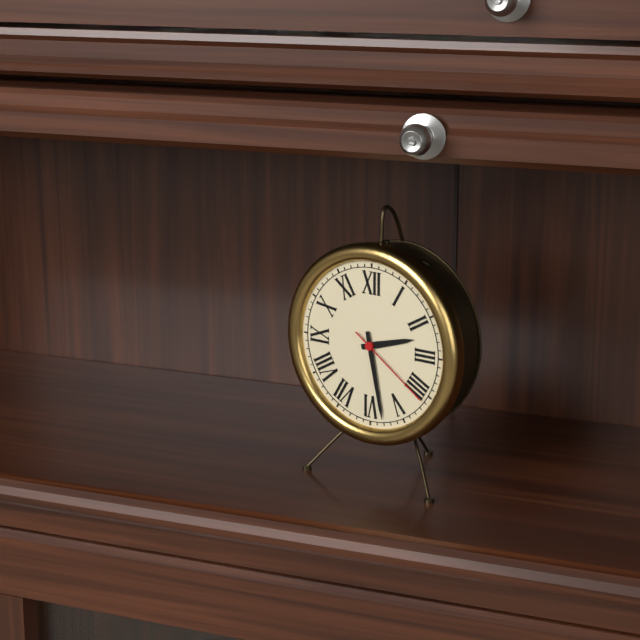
{"hour": 2, "minute": 28, "second": 21}
